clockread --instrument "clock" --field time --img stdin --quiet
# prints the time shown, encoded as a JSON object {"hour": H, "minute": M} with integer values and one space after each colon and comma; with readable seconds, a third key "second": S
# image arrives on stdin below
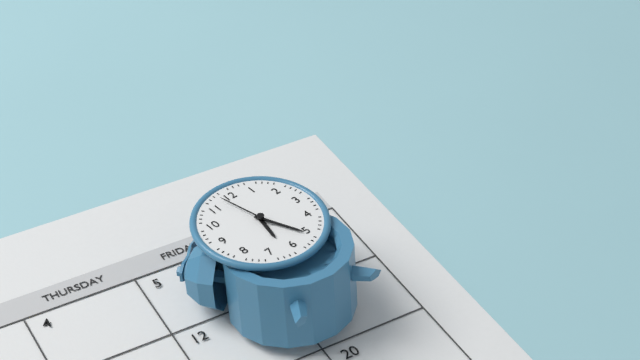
{"hour": 6, "minute": 26, "second": 58}
